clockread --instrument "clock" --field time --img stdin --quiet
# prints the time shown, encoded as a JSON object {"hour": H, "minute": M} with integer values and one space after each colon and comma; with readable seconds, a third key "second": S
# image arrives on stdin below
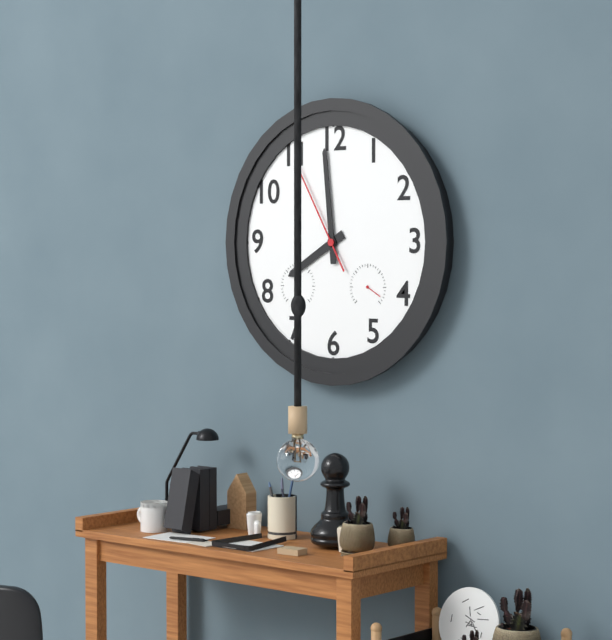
{"hour": 7, "minute": 59, "second": 55}
